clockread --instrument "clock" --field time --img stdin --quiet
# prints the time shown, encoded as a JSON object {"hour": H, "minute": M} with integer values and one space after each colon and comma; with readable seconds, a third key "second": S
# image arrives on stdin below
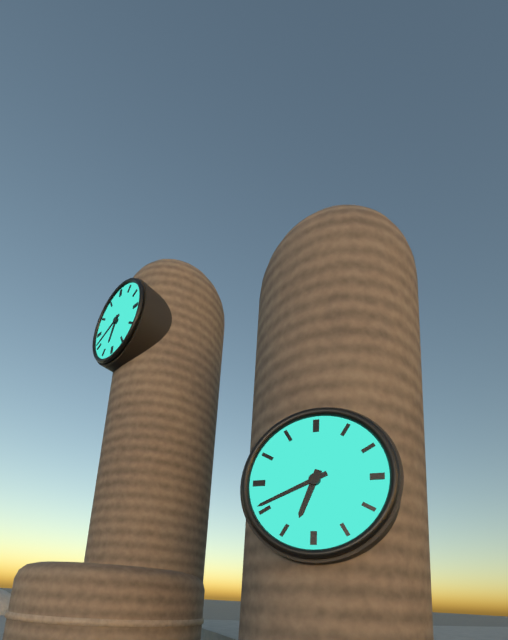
{"hour": 6, "minute": 41}
